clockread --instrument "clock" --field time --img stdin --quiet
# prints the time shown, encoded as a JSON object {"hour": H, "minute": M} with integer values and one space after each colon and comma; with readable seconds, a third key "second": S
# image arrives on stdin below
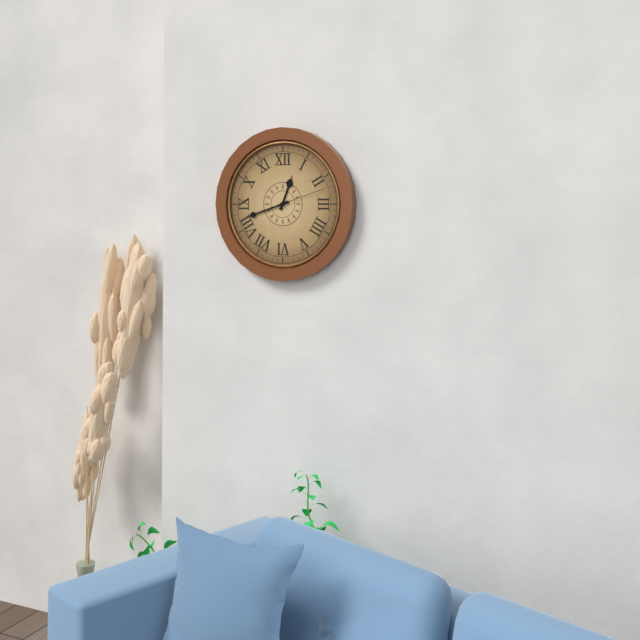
{"hour": 12, "minute": 42, "second": 12}
